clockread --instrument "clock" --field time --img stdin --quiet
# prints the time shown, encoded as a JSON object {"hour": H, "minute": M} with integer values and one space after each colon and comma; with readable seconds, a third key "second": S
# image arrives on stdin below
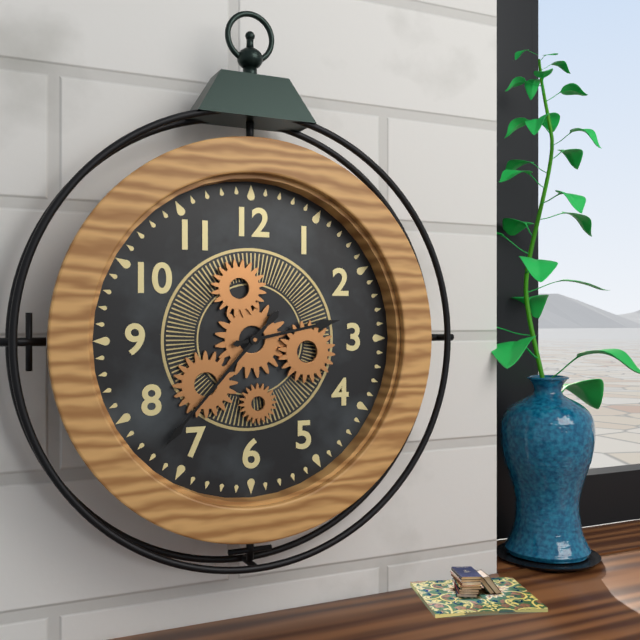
{"hour": 2, "minute": 37}
